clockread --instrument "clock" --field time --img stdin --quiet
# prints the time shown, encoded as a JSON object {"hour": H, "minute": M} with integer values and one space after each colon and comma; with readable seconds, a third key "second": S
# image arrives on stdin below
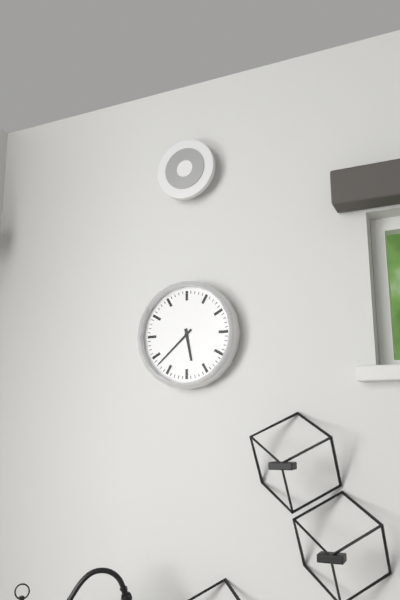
{"hour": 5, "minute": 38}
